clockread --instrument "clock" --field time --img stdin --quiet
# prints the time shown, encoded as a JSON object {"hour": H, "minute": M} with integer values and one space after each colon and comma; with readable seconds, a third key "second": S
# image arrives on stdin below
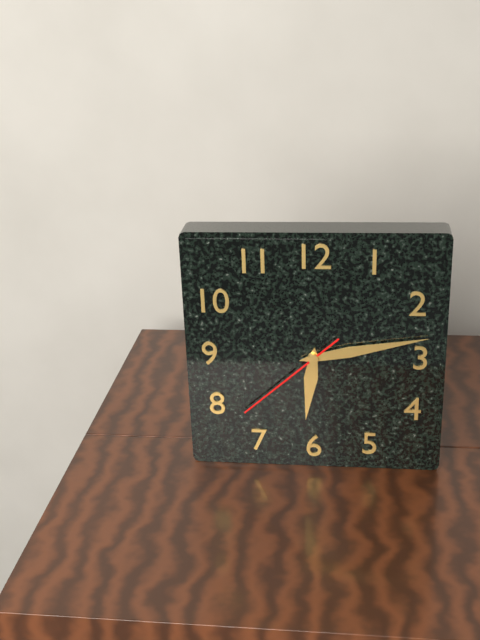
{"hour": 6, "minute": 13, "second": 38}
